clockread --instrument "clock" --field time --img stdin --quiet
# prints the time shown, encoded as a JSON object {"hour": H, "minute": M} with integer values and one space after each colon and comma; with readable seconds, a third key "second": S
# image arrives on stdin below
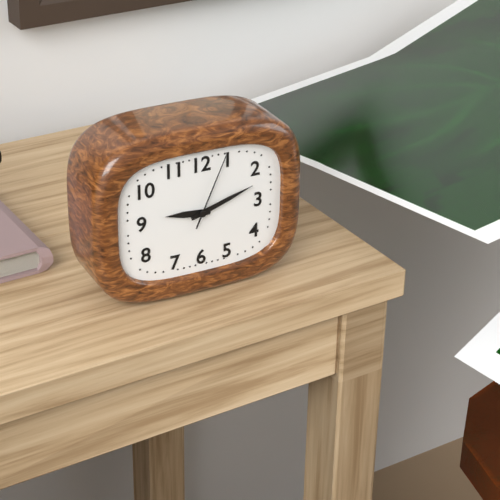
{"hour": 9, "minute": 12, "second": 4}
